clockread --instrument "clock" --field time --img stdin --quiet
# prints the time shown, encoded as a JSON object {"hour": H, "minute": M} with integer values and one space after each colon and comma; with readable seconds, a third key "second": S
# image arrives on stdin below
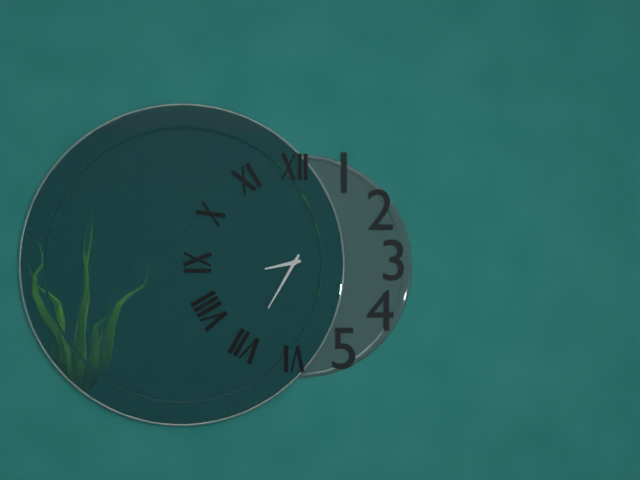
{"hour": 8, "minute": 35}
